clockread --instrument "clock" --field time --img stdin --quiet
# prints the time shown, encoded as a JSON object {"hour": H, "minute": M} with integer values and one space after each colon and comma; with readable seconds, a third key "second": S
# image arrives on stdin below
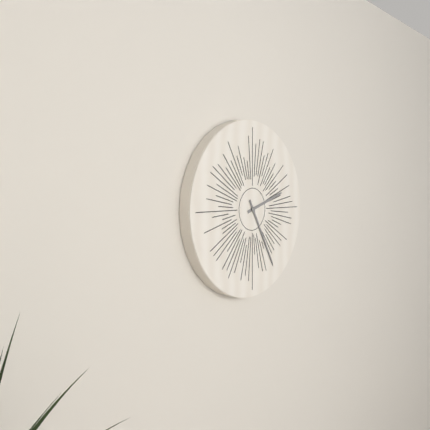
{"hour": 2, "minute": 25}
